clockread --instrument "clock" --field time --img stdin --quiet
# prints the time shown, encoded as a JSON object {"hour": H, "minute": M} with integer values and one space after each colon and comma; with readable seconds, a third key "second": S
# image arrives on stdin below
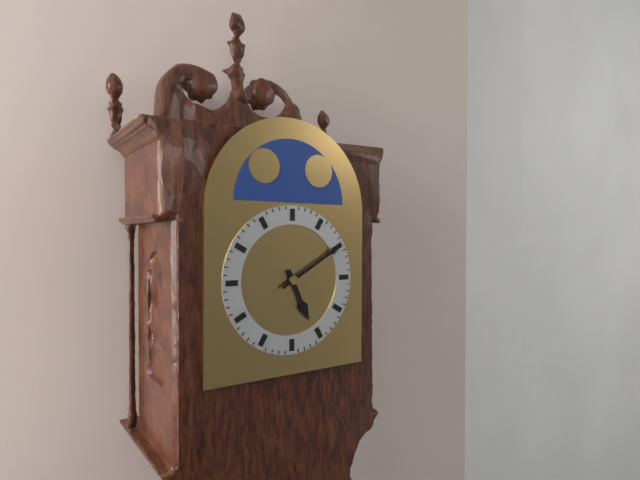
{"hour": 5, "minute": 10}
